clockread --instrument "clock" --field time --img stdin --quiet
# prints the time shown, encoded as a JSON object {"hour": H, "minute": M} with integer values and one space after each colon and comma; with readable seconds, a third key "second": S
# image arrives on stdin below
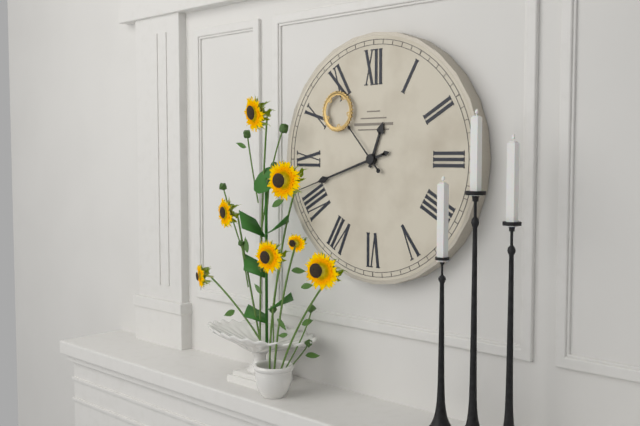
{"hour": 12, "minute": 42, "second": 53}
